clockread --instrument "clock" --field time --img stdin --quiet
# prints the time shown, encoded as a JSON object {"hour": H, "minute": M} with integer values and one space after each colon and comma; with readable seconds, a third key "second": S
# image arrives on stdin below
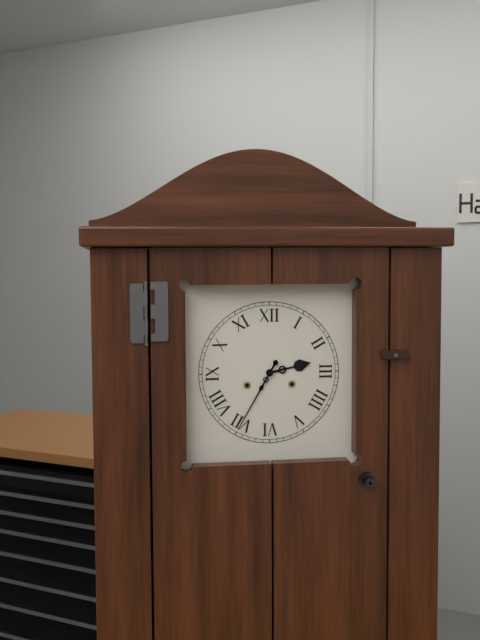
{"hour": 2, "minute": 35}
